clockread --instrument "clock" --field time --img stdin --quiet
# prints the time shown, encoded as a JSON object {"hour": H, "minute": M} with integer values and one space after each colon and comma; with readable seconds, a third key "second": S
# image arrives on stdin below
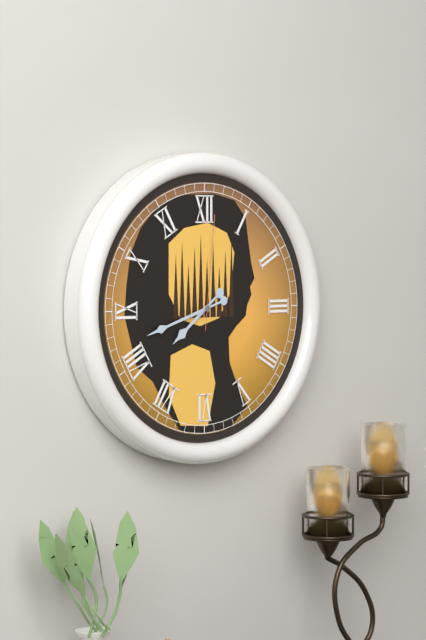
{"hour": 7, "minute": 42, "second": 1}
